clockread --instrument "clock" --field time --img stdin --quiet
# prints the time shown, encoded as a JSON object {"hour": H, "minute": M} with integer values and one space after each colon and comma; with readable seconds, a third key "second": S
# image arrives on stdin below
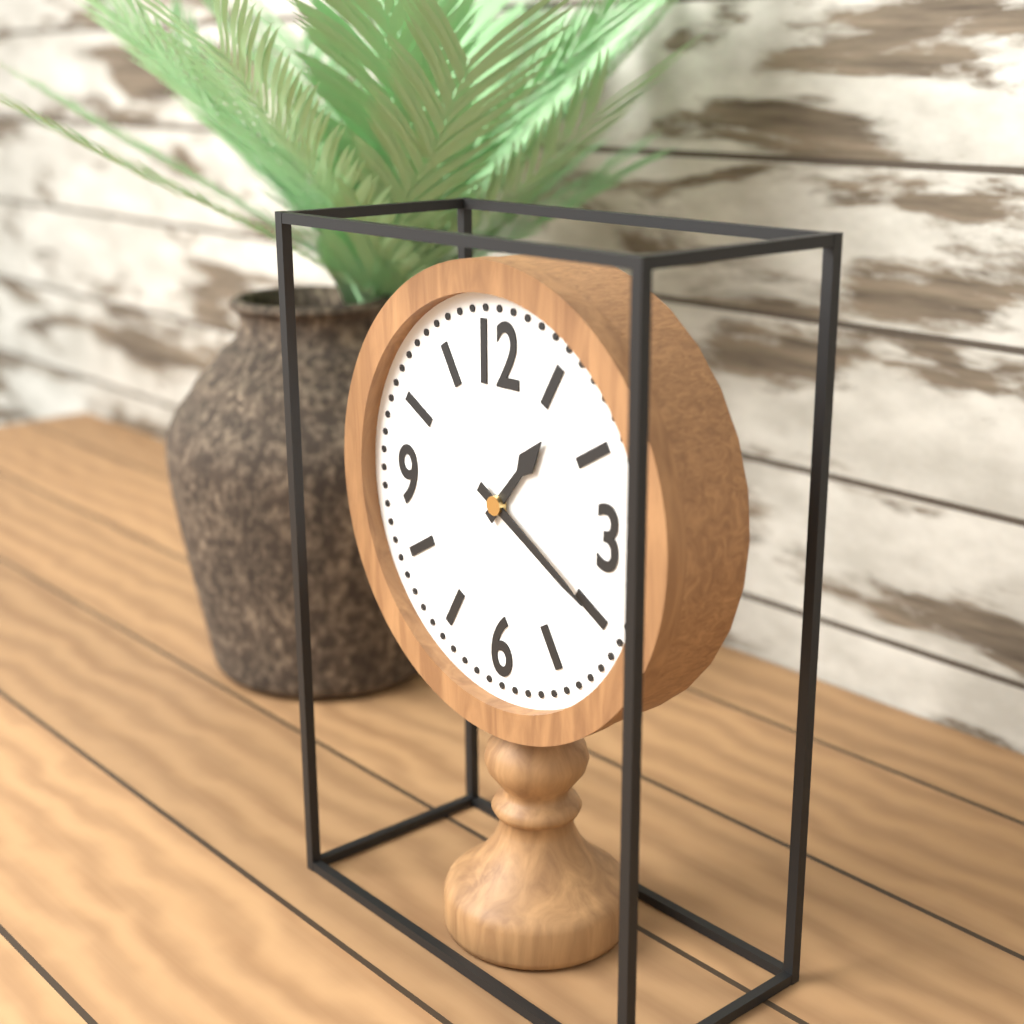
{"hour": 1, "minute": 20}
